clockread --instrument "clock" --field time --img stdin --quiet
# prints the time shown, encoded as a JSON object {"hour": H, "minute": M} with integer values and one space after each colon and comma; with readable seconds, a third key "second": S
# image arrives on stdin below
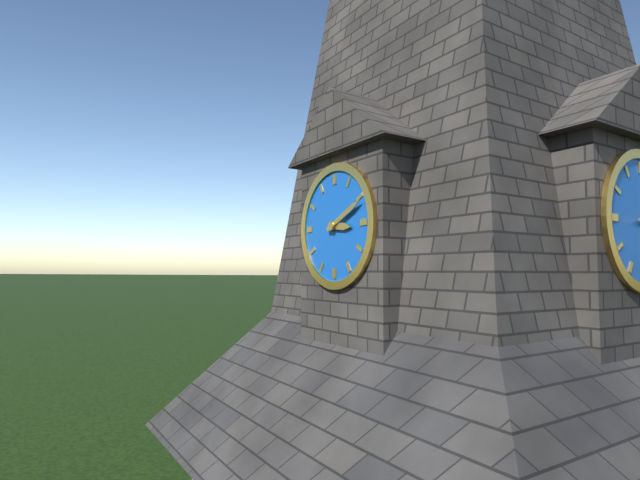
{"hour": 3, "minute": 11}
